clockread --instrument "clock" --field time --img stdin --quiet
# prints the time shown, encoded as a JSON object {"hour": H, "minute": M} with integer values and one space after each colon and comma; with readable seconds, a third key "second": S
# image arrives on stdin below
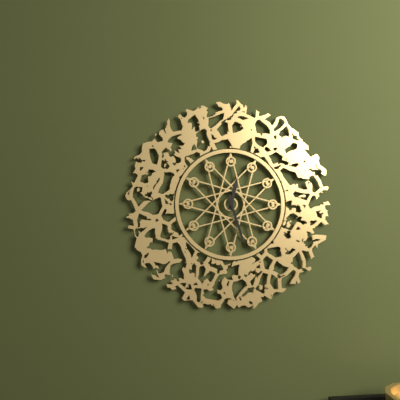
{"hour": 12, "minute": 27}
